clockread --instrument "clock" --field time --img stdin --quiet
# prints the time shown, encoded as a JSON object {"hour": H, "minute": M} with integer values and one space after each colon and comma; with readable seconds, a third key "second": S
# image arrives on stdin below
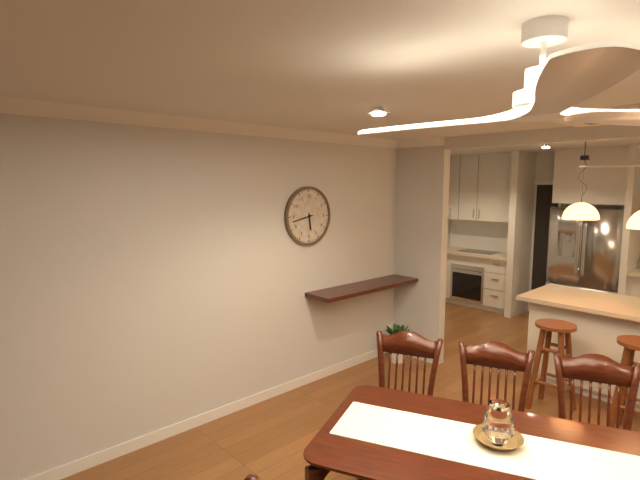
{"hour": 5, "minute": 43}
